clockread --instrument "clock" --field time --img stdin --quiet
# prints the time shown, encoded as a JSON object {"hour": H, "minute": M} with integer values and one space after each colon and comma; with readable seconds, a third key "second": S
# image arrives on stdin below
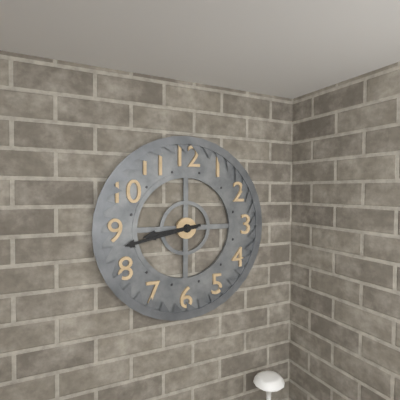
{"hour": 8, "minute": 43}
